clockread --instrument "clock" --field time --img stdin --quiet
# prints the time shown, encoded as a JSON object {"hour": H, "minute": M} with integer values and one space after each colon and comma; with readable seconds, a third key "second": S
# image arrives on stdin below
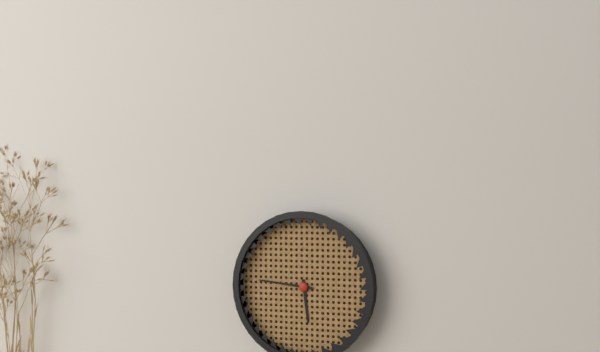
{"hour": 5, "minute": 46}
